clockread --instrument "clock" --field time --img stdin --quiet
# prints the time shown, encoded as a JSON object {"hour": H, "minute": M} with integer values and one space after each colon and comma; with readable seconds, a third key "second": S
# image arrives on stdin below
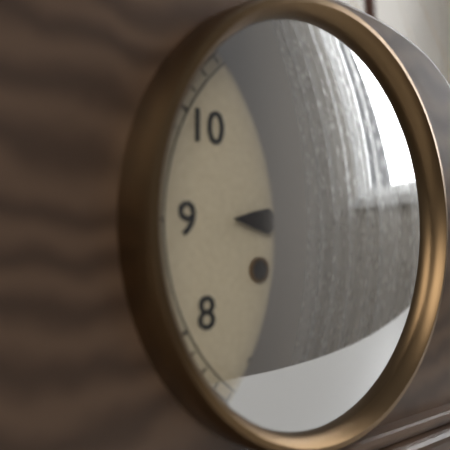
{"hour": 9, "minute": 3}
